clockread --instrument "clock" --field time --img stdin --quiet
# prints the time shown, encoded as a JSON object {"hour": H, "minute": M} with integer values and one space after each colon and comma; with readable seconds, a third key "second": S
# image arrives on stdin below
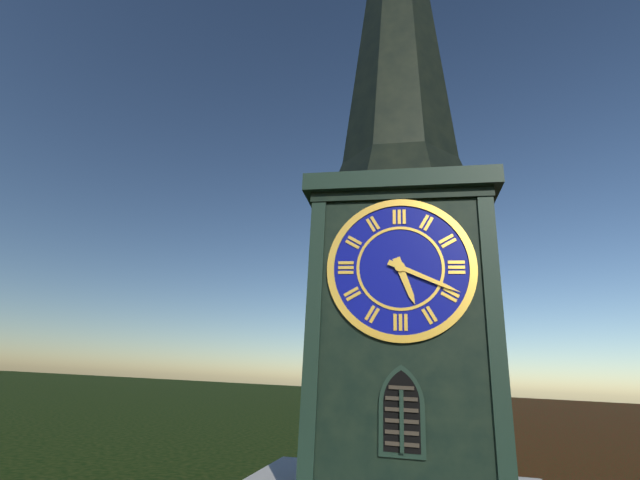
{"hour": 5, "minute": 19}
